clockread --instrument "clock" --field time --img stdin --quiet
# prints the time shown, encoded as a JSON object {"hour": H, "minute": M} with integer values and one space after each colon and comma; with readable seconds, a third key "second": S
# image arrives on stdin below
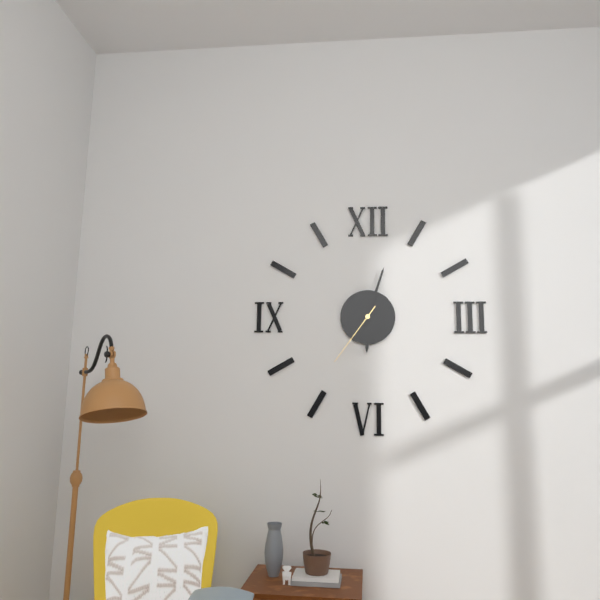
{"hour": 6, "minute": 3, "second": 36}
